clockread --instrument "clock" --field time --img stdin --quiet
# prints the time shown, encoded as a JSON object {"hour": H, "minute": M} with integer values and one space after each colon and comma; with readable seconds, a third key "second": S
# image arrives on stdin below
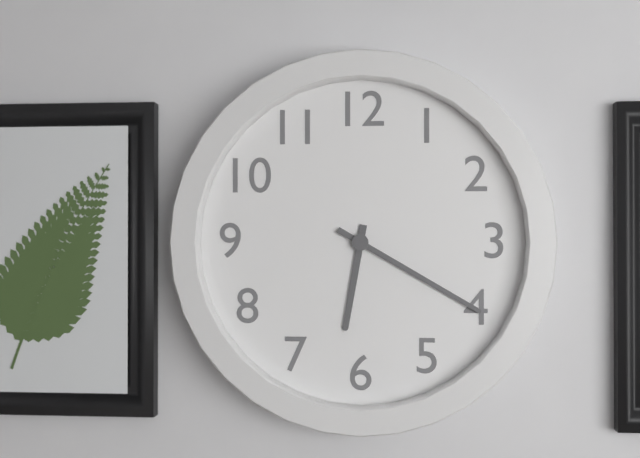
{"hour": 6, "minute": 20}
